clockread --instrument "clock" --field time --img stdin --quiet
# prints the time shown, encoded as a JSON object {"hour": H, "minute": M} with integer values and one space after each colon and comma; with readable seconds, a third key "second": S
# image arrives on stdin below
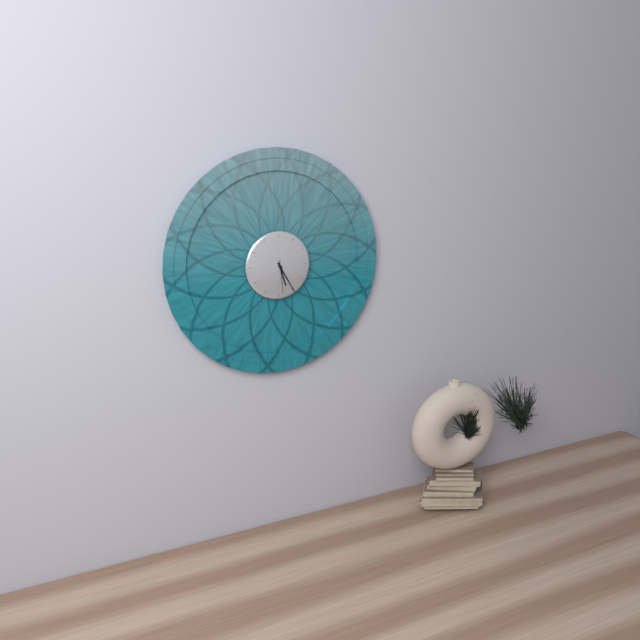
{"hour": 5, "minute": 25}
